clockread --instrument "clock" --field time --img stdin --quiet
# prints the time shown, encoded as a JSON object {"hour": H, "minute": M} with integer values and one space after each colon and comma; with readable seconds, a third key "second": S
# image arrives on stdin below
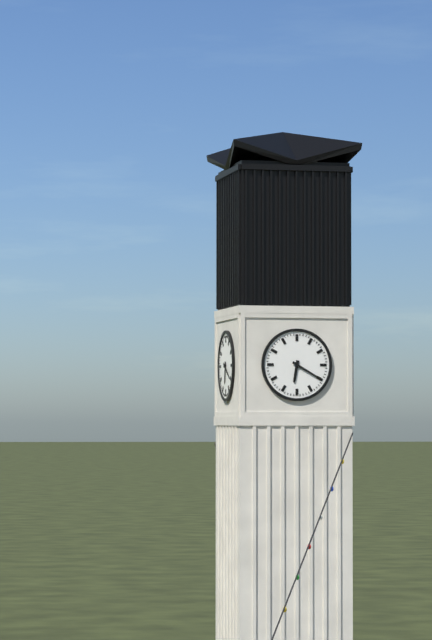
{"hour": 6, "minute": 20}
